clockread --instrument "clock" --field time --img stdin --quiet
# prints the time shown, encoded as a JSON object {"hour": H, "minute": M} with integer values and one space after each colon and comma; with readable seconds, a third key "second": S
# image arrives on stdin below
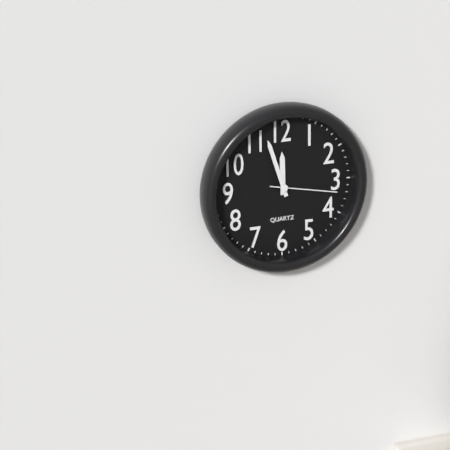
{"hour": 11, "minute": 57, "second": 17}
